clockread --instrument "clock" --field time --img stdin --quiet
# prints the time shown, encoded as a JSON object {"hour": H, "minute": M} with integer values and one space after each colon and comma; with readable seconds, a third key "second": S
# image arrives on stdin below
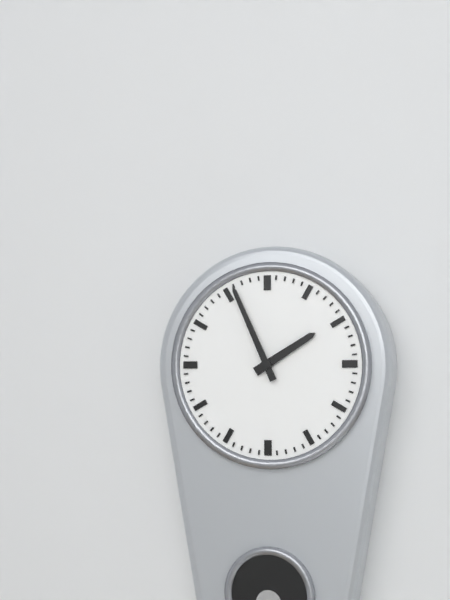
{"hour": 1, "minute": 56}
